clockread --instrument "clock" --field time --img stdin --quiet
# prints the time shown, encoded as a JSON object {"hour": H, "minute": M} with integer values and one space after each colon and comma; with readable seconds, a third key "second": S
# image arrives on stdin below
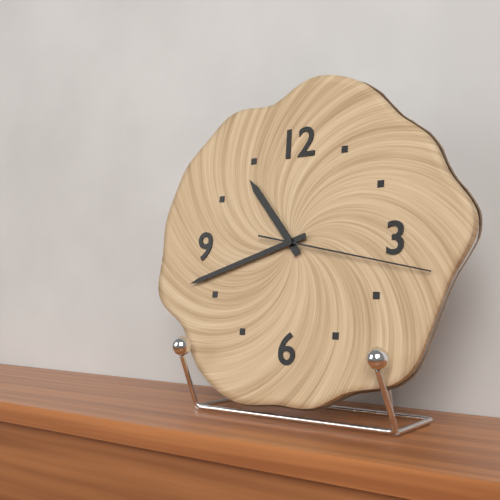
{"hour": 10, "minute": 42, "second": 17}
